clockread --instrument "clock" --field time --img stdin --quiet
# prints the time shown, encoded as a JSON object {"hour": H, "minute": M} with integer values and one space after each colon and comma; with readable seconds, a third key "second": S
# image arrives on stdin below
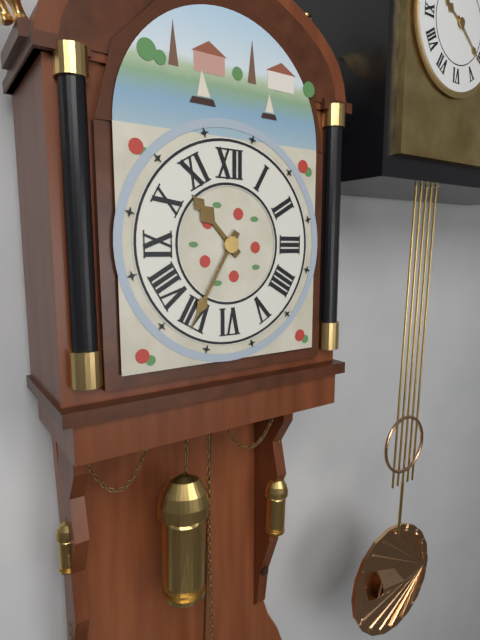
{"hour": 10, "minute": 35}
